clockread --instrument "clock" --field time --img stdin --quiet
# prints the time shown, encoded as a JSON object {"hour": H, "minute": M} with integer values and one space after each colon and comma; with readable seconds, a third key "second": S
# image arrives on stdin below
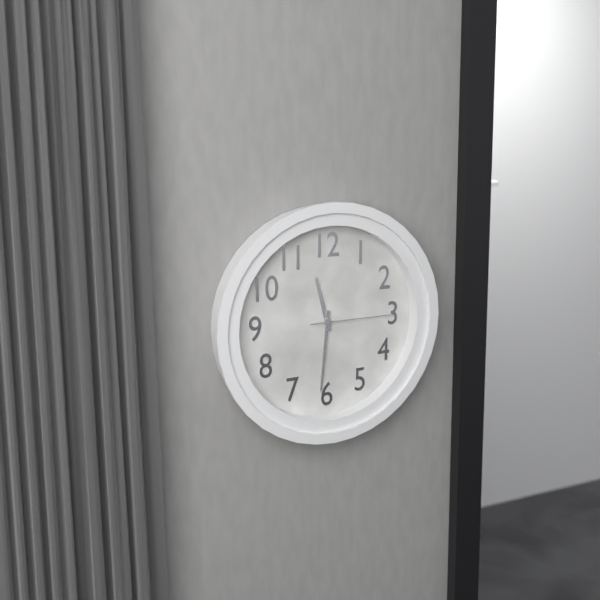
{"hour": 11, "minute": 31, "second": 15}
